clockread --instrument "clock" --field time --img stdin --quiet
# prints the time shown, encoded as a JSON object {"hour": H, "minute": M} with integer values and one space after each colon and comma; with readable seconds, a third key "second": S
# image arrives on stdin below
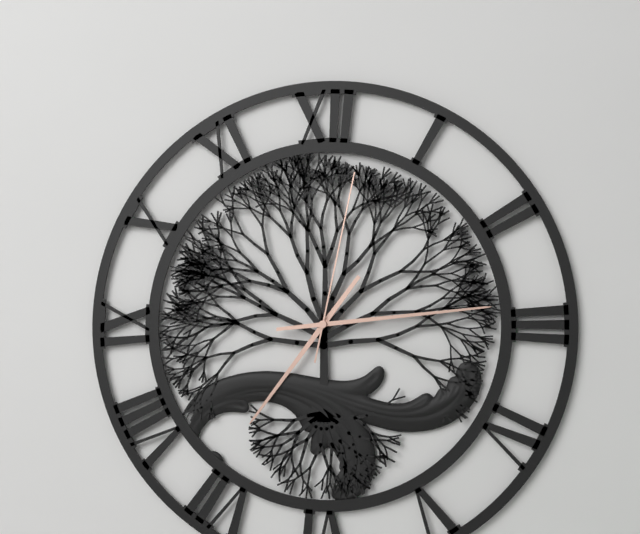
{"hour": 7, "minute": 14, "second": 2}
